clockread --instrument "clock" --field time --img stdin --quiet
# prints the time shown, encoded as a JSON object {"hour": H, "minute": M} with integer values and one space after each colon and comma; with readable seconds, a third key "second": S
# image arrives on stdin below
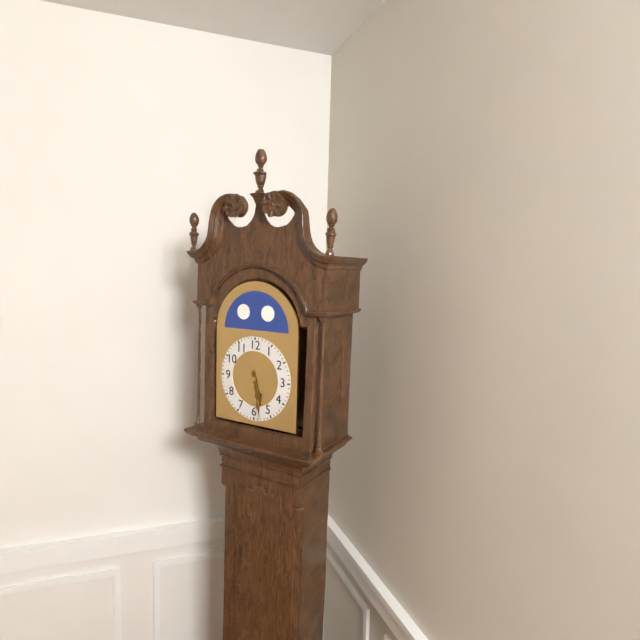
{"hour": 5, "minute": 28}
